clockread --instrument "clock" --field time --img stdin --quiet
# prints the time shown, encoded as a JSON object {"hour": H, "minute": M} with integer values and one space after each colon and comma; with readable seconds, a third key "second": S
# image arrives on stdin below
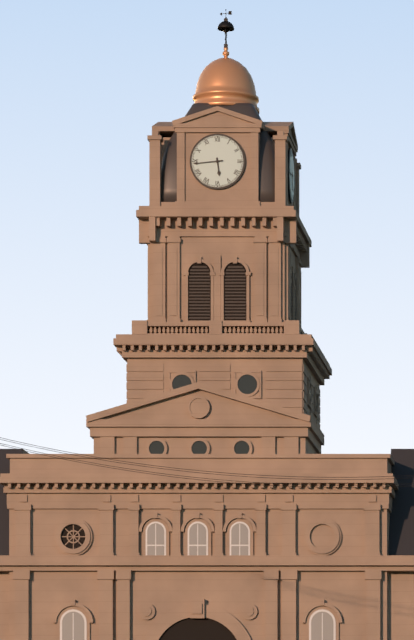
{"hour": 5, "minute": 44}
